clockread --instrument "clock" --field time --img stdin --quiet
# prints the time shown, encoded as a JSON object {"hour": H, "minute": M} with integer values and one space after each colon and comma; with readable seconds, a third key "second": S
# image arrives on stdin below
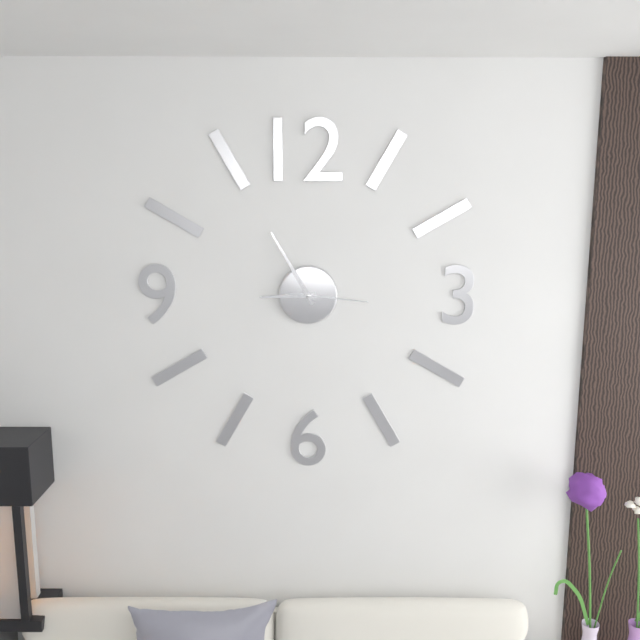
{"hour": 8, "minute": 55, "second": 16}
